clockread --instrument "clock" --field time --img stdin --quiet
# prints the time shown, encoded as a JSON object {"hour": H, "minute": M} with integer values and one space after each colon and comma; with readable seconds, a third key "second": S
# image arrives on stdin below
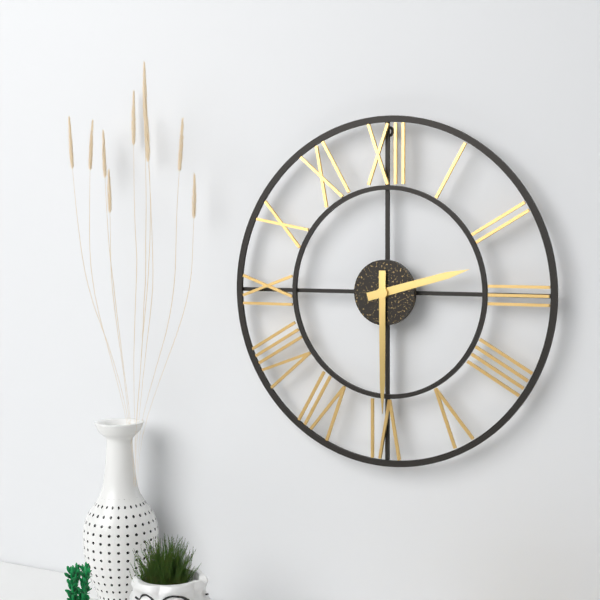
{"hour": 2, "minute": 30}
